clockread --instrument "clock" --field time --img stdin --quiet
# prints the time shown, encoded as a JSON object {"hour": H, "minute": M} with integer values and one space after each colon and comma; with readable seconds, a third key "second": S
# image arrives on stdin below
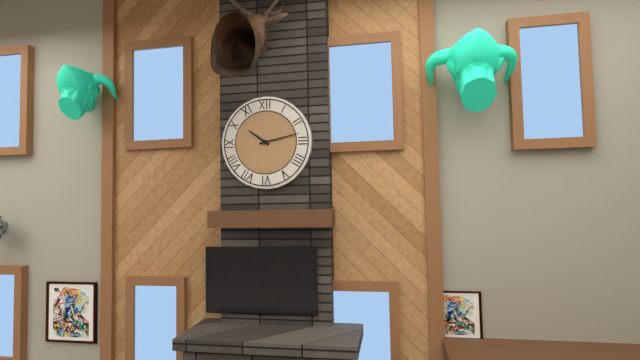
{"hour": 10, "minute": 13}
